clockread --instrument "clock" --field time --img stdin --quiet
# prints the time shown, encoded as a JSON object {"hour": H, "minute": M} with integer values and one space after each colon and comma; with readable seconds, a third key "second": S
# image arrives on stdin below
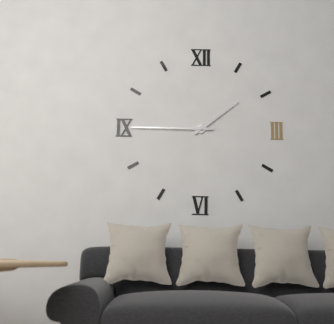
{"hour": 1, "minute": 45}
